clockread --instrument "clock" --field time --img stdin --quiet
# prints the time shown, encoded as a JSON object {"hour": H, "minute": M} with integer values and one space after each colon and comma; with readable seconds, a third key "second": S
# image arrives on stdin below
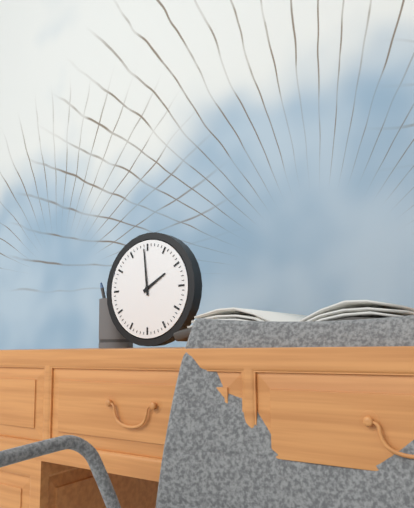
{"hour": 1, "minute": 59}
